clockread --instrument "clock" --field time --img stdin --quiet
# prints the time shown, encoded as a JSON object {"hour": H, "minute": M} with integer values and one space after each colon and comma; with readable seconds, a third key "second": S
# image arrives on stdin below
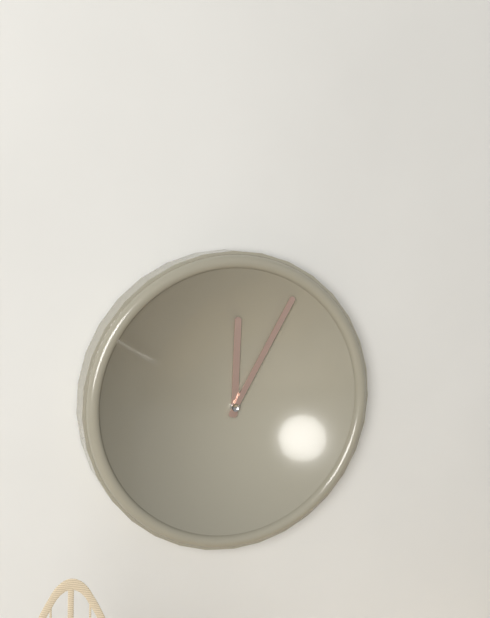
{"hour": 12, "minute": 5}
